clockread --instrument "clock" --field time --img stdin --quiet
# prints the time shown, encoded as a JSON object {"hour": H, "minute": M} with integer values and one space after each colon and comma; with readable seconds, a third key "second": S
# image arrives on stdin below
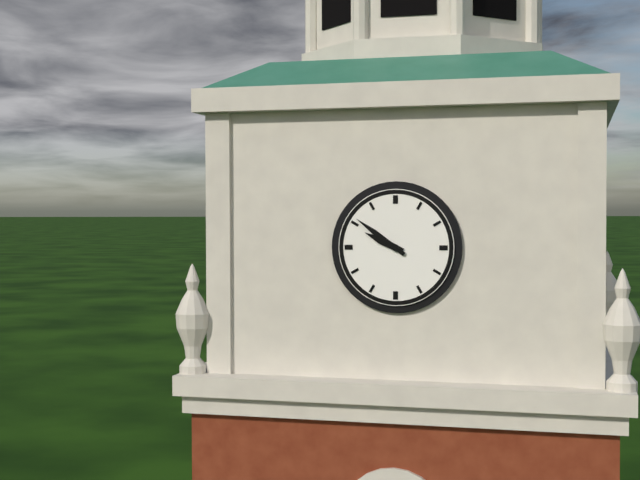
{"hour": 9, "minute": 51}
